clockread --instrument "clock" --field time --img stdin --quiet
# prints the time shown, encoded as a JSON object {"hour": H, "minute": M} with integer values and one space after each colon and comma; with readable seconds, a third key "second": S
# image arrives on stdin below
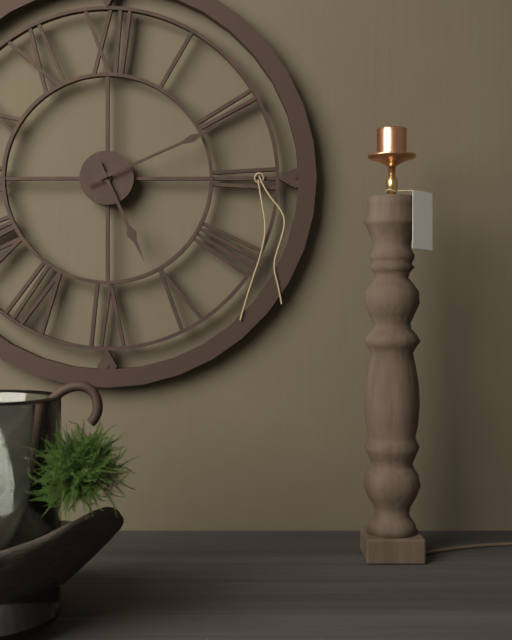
{"hour": 5, "minute": 11}
